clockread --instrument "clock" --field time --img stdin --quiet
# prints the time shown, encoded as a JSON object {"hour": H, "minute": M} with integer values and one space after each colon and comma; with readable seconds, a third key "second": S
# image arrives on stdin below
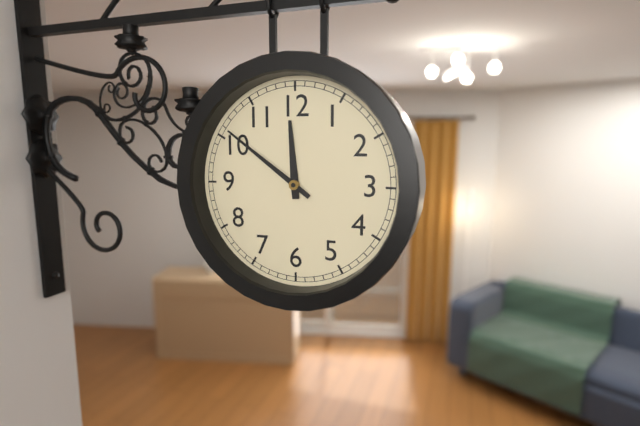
{"hour": 11, "minute": 51}
